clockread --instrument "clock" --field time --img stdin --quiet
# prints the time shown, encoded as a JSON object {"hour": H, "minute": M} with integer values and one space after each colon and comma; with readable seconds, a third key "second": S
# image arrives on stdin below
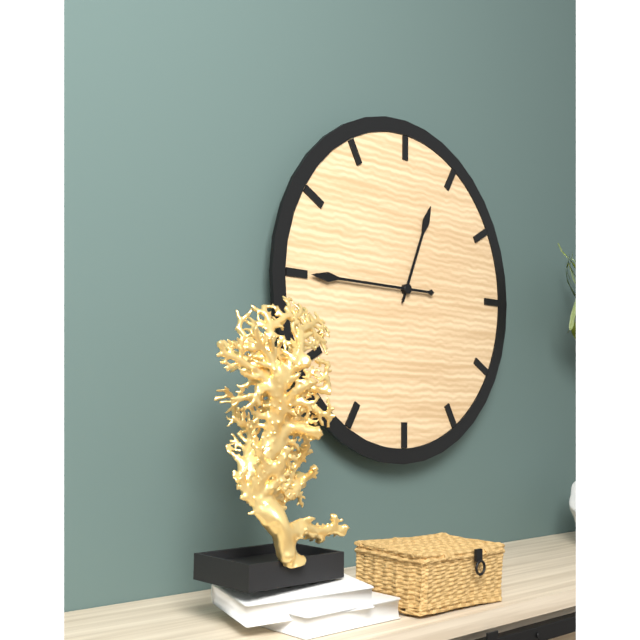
{"hour": 12, "minute": 45}
